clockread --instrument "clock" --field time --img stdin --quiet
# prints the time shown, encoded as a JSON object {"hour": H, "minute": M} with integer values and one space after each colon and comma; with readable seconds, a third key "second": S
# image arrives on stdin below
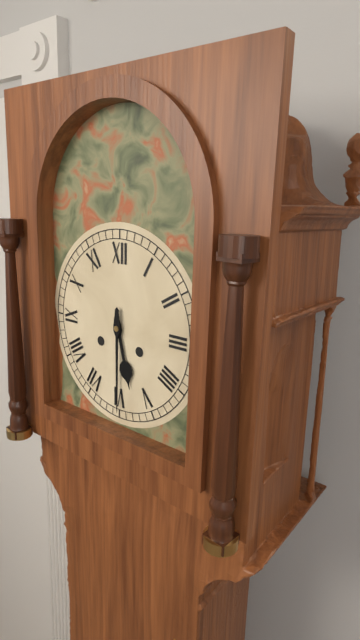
{"hour": 5, "minute": 30}
